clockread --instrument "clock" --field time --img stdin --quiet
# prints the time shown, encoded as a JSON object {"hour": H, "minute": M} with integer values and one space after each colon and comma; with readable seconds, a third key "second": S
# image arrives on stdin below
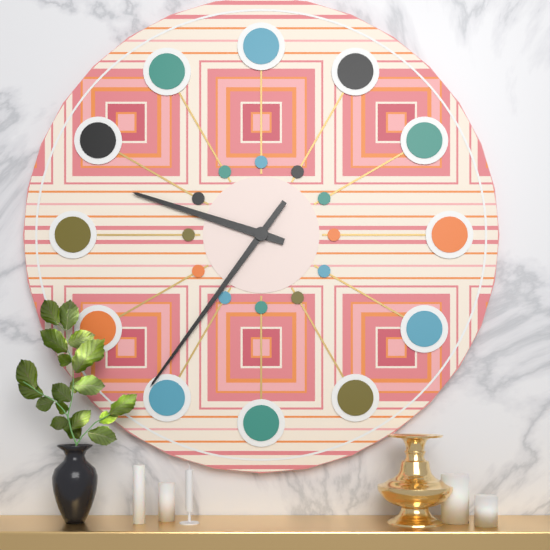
{"hour": 9, "minute": 36}
